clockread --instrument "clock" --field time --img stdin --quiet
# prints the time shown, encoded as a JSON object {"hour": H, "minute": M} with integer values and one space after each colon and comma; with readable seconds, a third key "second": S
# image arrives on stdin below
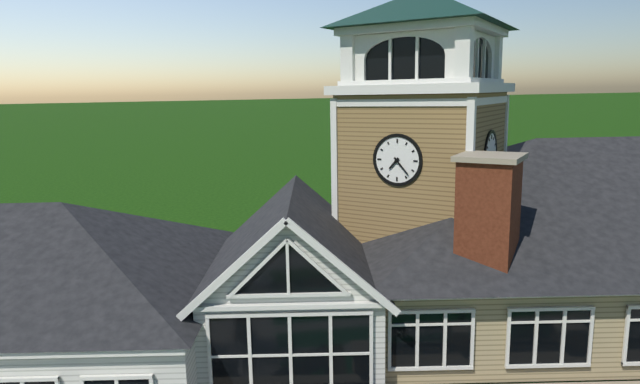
{"hour": 7, "minute": 23}
